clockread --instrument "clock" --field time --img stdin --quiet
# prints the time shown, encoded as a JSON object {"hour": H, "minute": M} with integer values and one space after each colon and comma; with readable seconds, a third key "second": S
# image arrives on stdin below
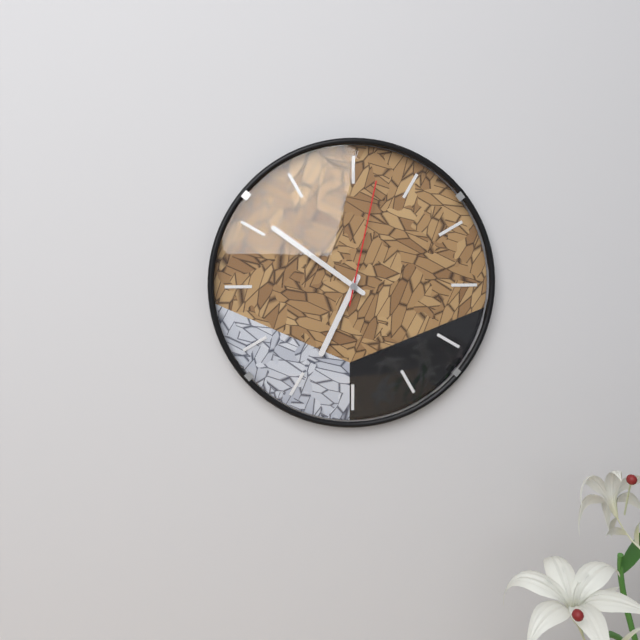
{"hour": 6, "minute": 51, "second": 2}
